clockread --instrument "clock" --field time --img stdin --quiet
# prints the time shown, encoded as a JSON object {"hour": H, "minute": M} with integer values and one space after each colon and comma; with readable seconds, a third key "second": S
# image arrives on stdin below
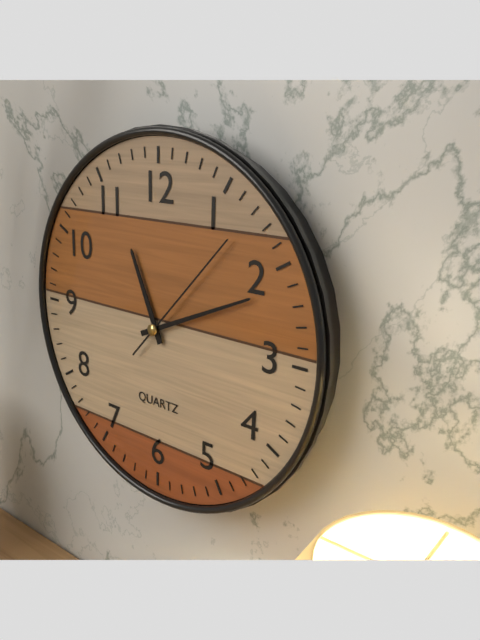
{"hour": 11, "minute": 11, "second": 7}
